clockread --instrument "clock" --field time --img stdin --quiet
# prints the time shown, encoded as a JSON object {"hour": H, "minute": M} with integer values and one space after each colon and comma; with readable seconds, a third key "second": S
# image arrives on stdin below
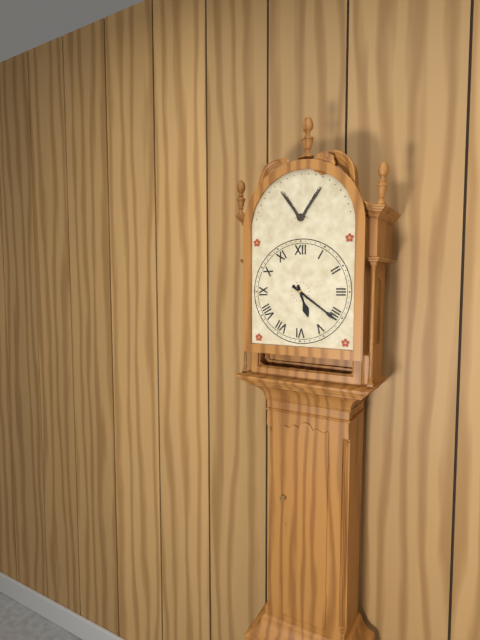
{"hour": 5, "minute": 21}
